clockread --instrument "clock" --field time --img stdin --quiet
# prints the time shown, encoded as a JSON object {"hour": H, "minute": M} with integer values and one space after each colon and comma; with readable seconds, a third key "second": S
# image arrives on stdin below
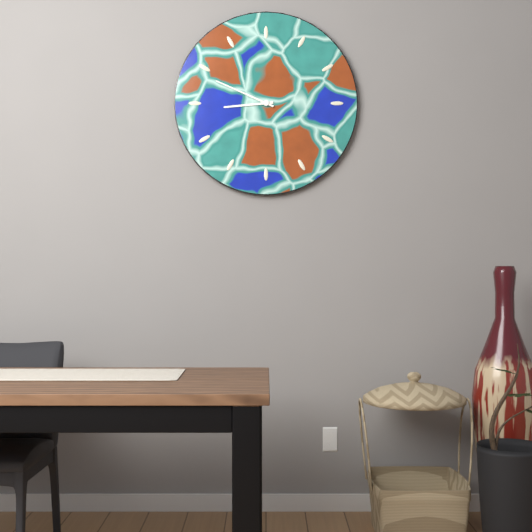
{"hour": 8, "minute": 49}
